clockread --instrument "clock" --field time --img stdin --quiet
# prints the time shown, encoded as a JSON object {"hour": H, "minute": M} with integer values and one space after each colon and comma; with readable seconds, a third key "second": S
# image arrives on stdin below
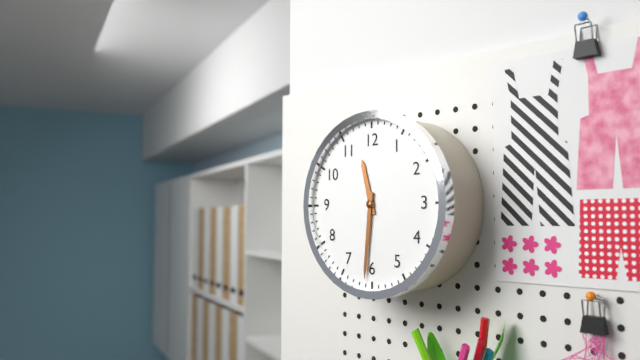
{"hour": 11, "minute": 31}
